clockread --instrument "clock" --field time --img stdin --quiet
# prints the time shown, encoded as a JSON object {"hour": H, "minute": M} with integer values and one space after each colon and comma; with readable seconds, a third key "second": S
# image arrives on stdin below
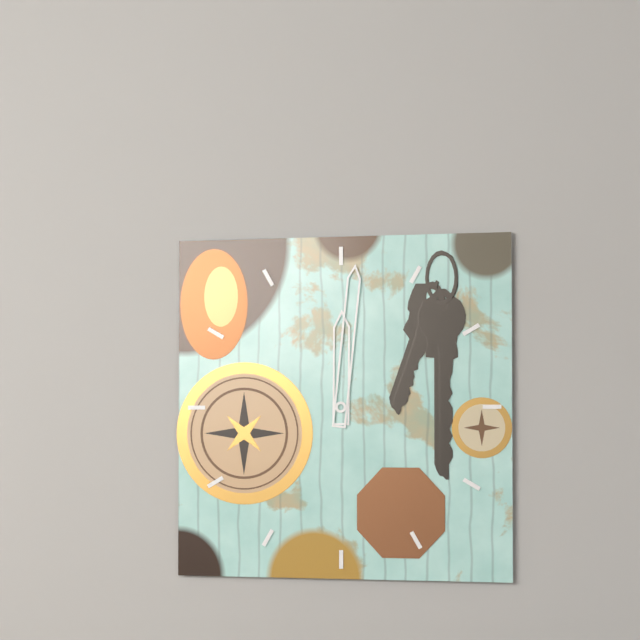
{"hour": 12, "minute": 1}
